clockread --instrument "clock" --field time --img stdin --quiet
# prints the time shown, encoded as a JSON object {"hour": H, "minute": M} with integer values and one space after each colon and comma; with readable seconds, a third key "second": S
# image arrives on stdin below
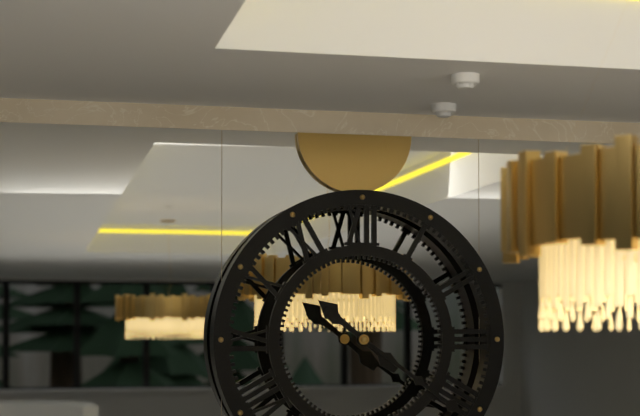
{"hour": 10, "minute": 21}
